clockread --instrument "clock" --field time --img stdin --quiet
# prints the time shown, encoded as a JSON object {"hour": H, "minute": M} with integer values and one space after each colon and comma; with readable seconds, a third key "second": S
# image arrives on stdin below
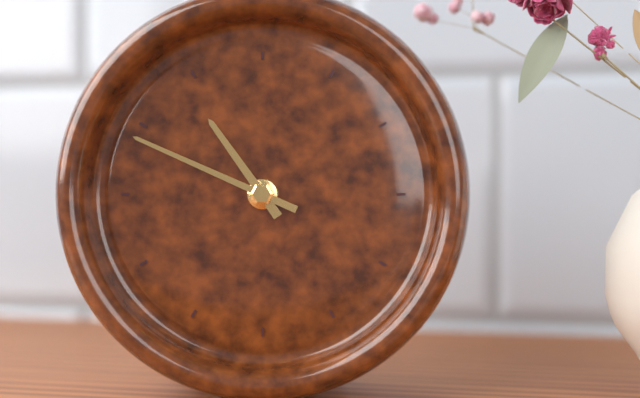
{"hour": 10, "minute": 49}
